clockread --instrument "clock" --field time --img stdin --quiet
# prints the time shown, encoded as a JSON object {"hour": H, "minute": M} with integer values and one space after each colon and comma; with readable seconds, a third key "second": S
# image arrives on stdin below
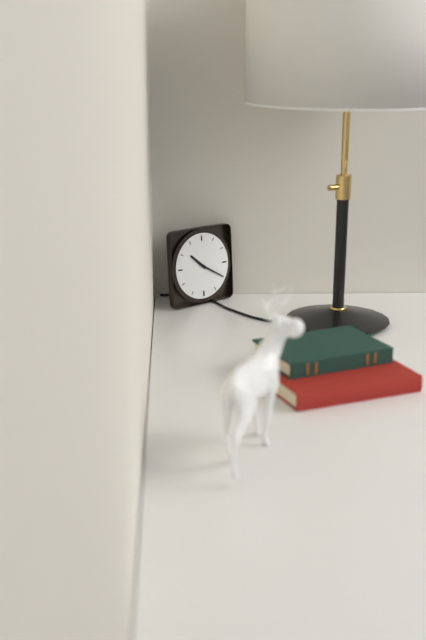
{"hour": 10, "minute": 20}
